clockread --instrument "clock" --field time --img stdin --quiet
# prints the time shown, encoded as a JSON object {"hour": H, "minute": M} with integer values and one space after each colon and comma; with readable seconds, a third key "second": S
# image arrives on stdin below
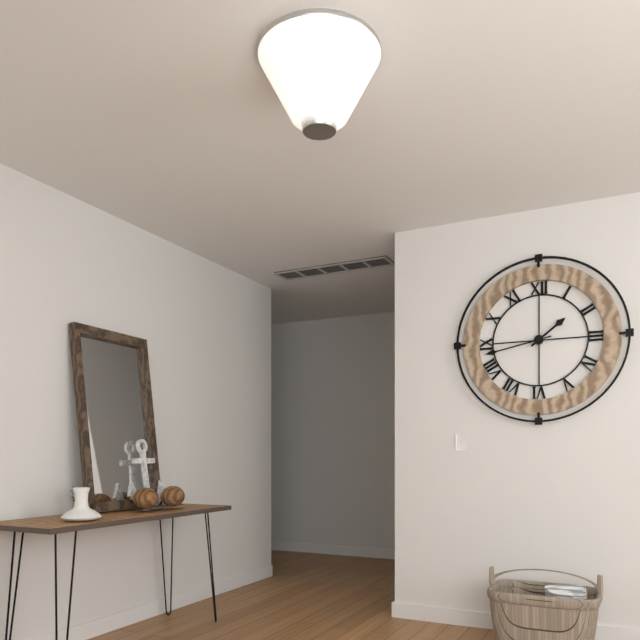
{"hour": 1, "minute": 43}
